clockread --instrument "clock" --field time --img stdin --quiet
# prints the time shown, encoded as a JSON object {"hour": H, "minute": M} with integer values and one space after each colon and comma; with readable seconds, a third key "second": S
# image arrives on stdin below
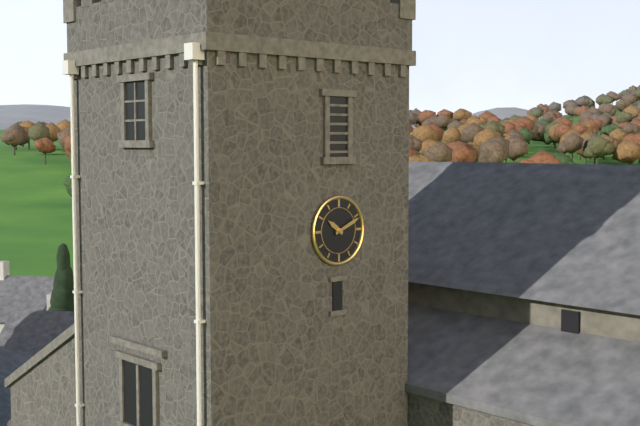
{"hour": 10, "minute": 11}
